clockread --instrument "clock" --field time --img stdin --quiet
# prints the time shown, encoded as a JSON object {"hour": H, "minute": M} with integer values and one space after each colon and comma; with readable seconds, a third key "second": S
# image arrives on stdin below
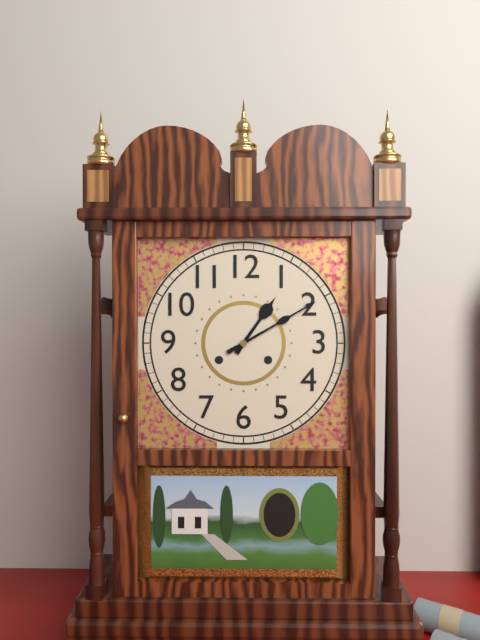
{"hour": 1, "minute": 10}
